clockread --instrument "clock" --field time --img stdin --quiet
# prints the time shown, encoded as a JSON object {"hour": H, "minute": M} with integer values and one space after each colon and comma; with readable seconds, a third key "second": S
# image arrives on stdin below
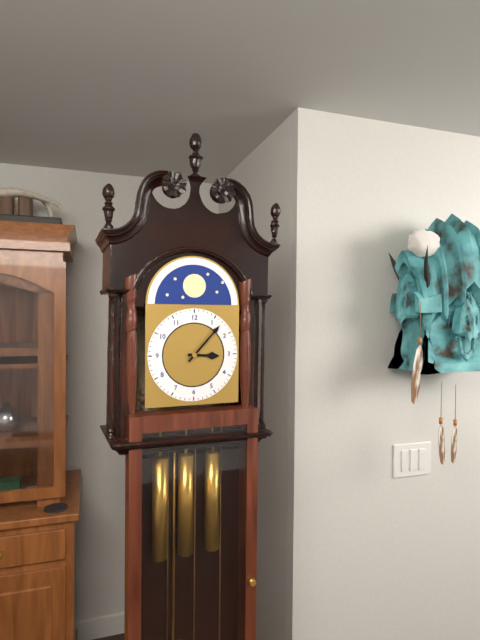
{"hour": 3, "minute": 7}
